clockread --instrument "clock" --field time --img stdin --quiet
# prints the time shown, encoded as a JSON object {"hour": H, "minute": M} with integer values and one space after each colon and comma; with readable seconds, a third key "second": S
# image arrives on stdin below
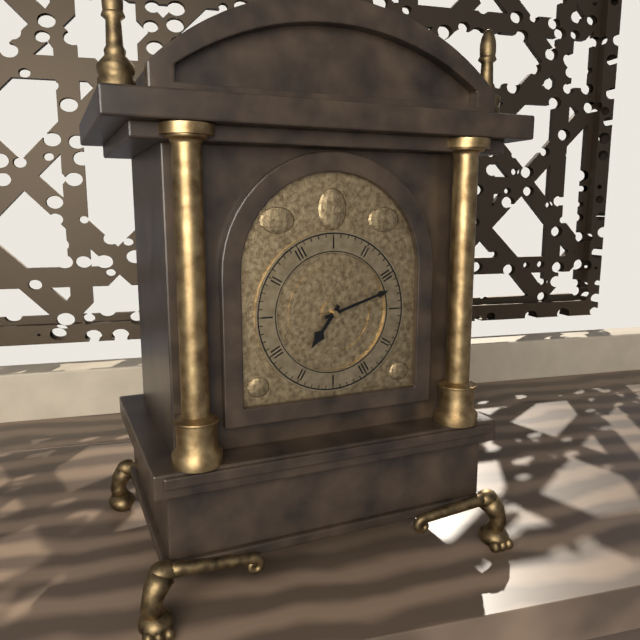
{"hour": 7, "minute": 12}
